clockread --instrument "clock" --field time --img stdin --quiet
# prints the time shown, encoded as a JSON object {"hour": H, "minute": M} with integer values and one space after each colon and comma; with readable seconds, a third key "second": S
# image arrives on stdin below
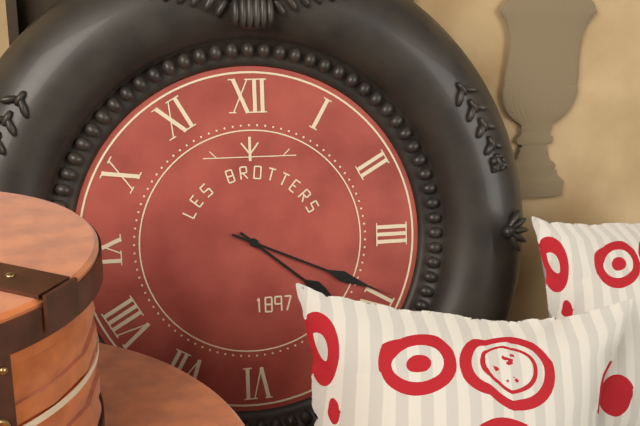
{"hour": 4, "minute": 19}
